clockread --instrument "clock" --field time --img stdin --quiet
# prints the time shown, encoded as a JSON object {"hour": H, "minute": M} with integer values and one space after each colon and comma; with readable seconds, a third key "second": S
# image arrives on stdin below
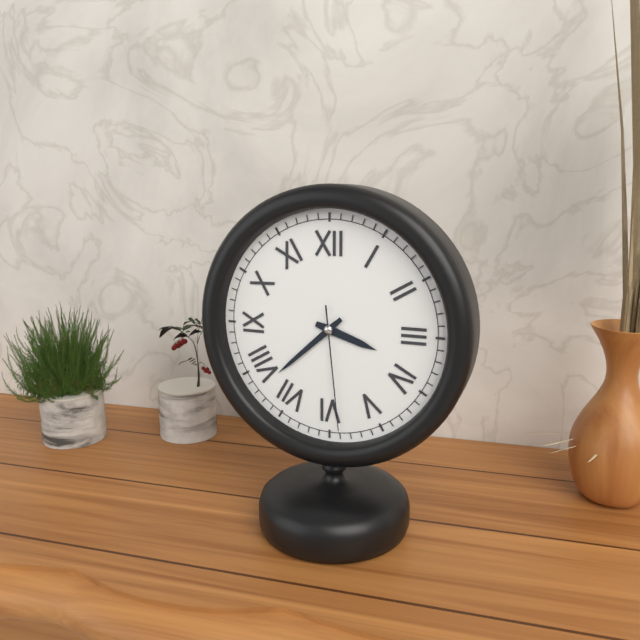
{"hour": 3, "minute": 38, "second": 29}
